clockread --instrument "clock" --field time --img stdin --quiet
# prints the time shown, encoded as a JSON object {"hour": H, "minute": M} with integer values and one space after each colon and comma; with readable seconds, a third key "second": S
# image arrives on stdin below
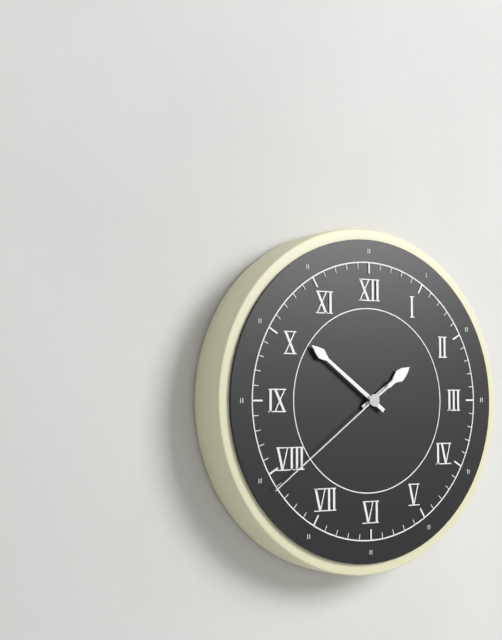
{"hour": 1, "minute": 51, "second": 39}
